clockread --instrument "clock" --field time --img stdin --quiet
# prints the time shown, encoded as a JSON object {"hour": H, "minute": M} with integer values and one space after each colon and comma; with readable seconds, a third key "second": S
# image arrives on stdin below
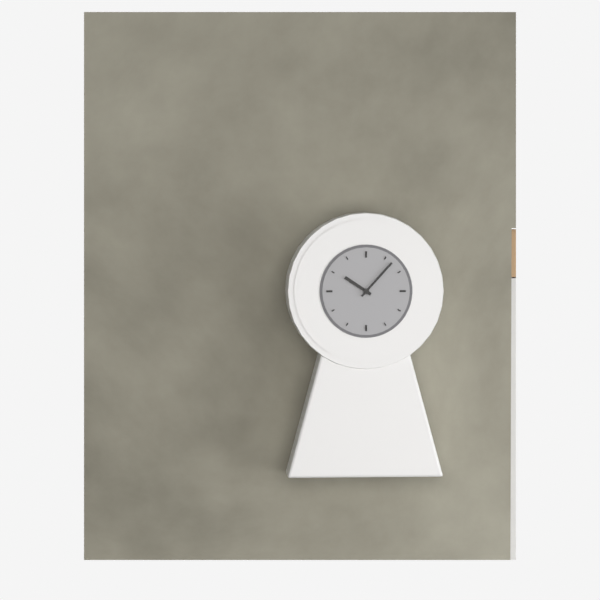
{"hour": 10, "minute": 7}
